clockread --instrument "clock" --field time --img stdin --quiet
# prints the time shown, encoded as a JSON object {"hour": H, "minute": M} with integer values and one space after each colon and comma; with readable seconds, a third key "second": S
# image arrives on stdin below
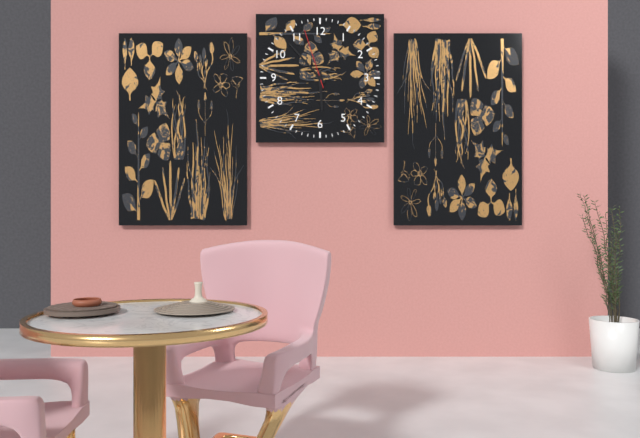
{"hour": 5, "minute": 53, "second": 57}
